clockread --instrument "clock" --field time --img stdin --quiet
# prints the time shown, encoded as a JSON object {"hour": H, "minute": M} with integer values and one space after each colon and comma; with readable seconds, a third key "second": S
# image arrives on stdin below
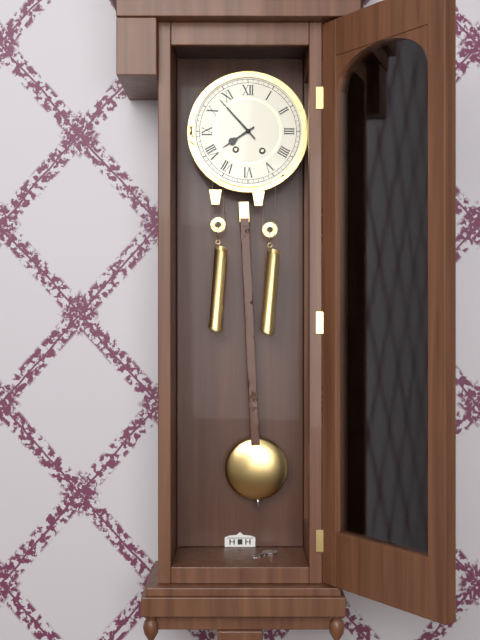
{"hour": 7, "minute": 53}
